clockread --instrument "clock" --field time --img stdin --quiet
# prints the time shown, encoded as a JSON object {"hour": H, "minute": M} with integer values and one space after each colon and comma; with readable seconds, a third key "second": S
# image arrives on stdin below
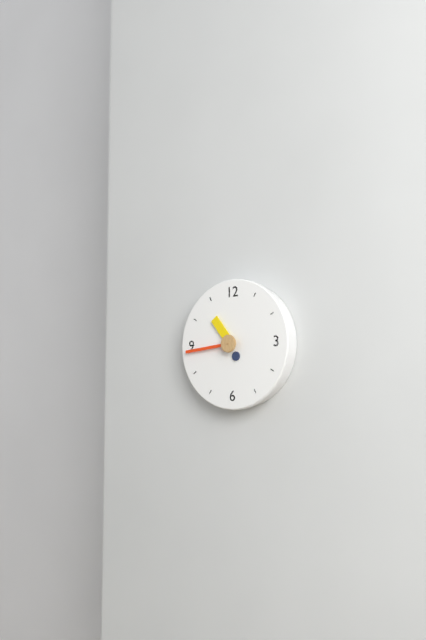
{"hour": 10, "minute": 44}
